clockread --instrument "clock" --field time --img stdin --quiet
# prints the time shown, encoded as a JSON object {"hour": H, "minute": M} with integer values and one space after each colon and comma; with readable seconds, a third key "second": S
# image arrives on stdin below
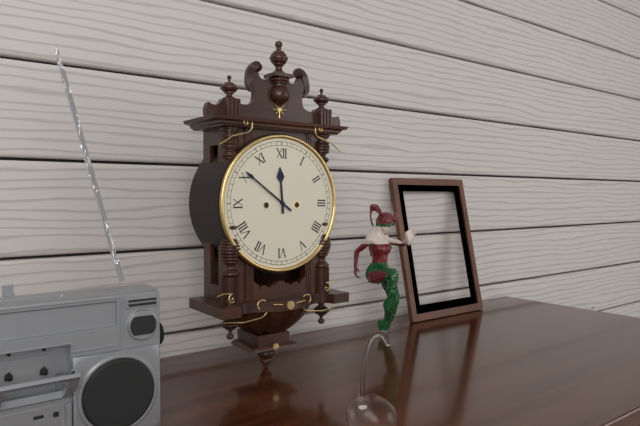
{"hour": 11, "minute": 51}
